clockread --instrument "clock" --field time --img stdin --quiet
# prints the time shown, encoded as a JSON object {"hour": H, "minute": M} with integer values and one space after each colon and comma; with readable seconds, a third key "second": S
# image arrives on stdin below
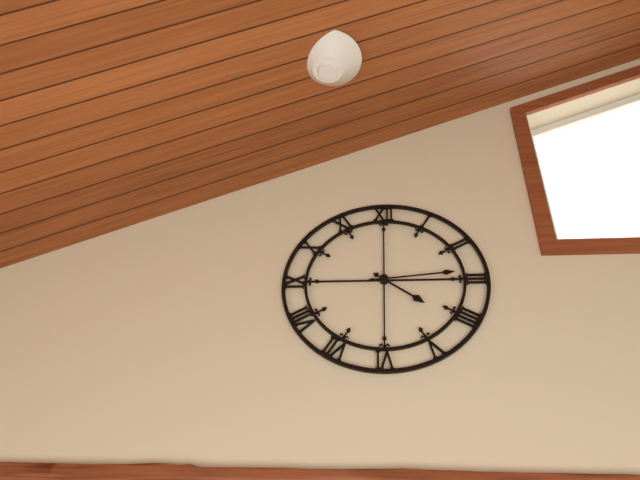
{"hour": 4, "minute": 14}
